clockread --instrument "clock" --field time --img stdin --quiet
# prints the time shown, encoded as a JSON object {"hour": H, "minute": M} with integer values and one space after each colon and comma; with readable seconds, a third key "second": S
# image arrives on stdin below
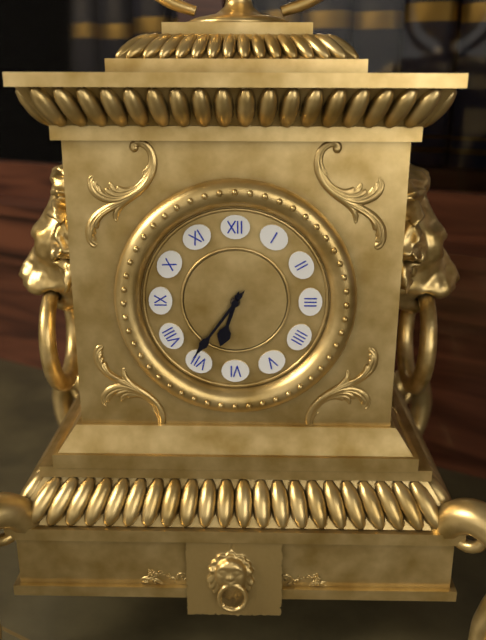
{"hour": 6, "minute": 36}
